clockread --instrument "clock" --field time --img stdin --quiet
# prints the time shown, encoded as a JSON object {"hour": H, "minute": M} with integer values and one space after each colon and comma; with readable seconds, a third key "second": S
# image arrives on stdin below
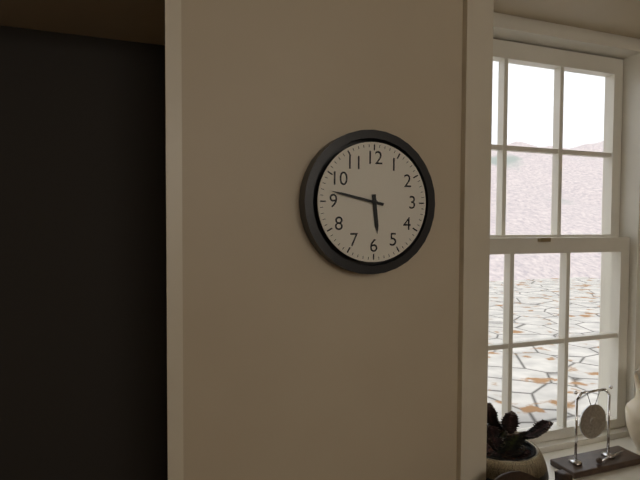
{"hour": 5, "minute": 47}
